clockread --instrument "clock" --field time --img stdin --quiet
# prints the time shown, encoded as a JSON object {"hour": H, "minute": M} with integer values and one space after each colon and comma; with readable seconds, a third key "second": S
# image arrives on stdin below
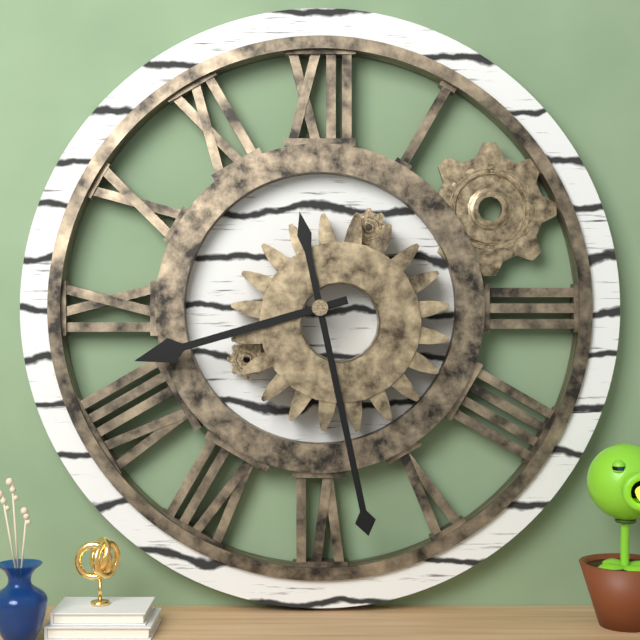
{"hour": 8, "minute": 28}
